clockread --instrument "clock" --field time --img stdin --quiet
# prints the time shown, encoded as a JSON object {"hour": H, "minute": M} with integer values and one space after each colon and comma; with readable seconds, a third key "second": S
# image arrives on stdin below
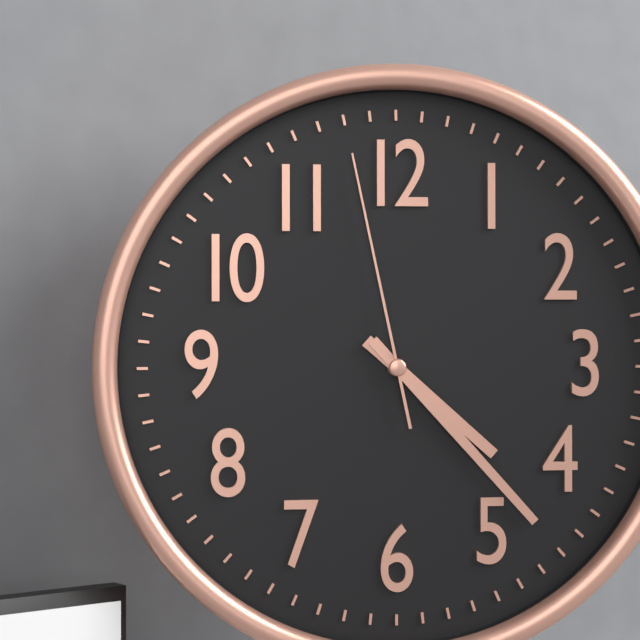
{"hour": 4, "minute": 23, "second": 58}
